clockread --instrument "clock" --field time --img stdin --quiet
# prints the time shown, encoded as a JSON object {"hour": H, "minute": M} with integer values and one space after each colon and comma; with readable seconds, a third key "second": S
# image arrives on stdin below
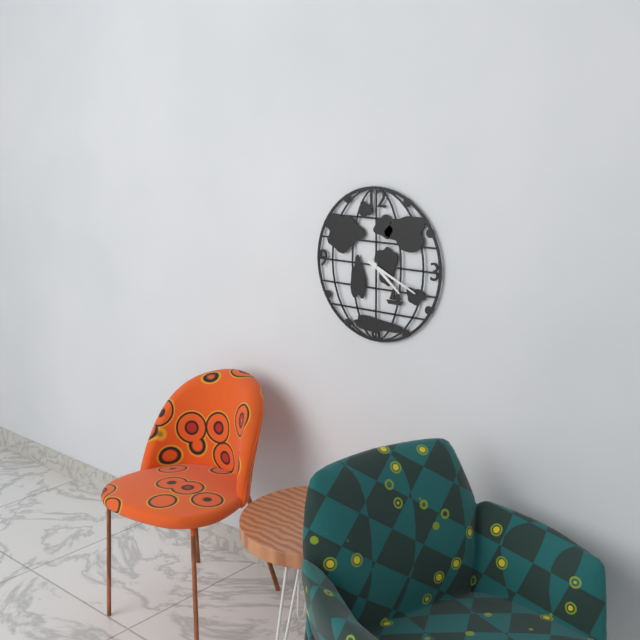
{"hour": 4, "minute": 19}
